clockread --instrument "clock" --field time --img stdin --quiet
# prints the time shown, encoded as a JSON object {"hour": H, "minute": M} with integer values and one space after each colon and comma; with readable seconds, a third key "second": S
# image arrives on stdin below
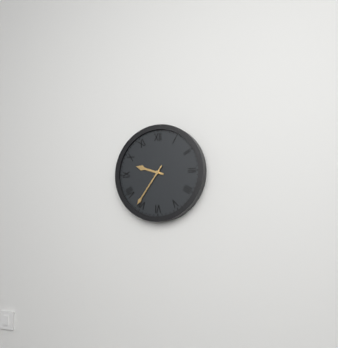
{"hour": 9, "minute": 36}
